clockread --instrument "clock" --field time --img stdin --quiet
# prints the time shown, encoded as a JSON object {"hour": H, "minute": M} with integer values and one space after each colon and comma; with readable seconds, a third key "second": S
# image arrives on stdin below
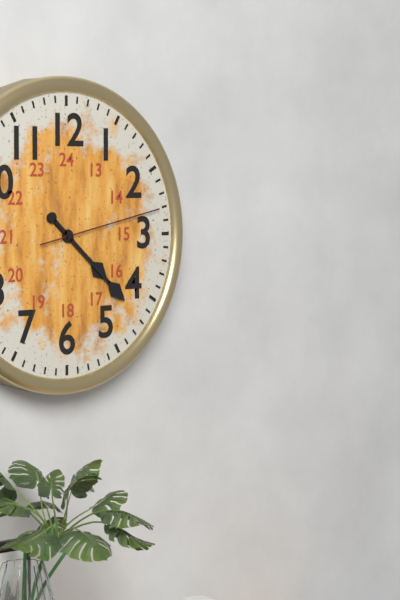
{"hour": 4, "minute": 22, "second": 13}
